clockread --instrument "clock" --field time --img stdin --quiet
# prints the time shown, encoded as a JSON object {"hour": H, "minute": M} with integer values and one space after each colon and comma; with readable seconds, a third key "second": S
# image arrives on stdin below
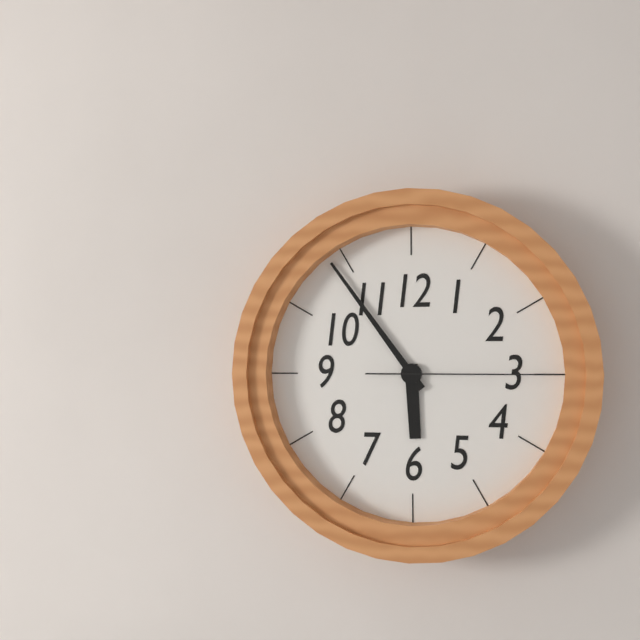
{"hour": 5, "minute": 54, "second": 15}
